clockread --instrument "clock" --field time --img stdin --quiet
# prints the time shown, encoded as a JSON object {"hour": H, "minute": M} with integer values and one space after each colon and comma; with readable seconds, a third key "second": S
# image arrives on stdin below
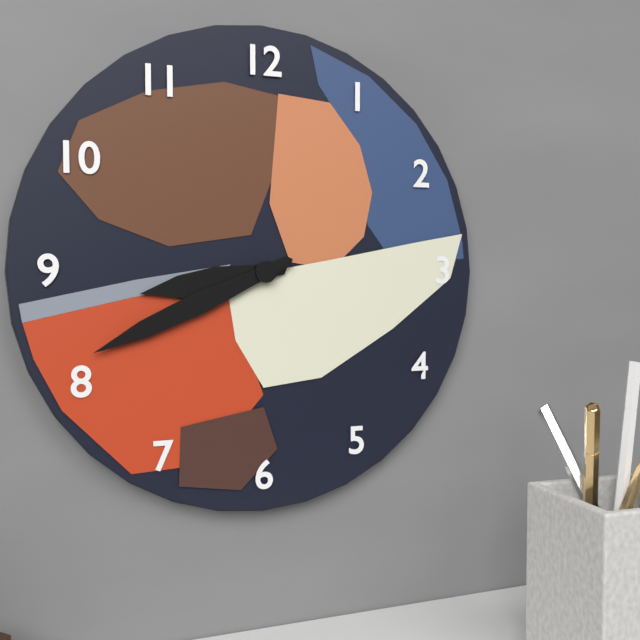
{"hour": 8, "minute": 41}
